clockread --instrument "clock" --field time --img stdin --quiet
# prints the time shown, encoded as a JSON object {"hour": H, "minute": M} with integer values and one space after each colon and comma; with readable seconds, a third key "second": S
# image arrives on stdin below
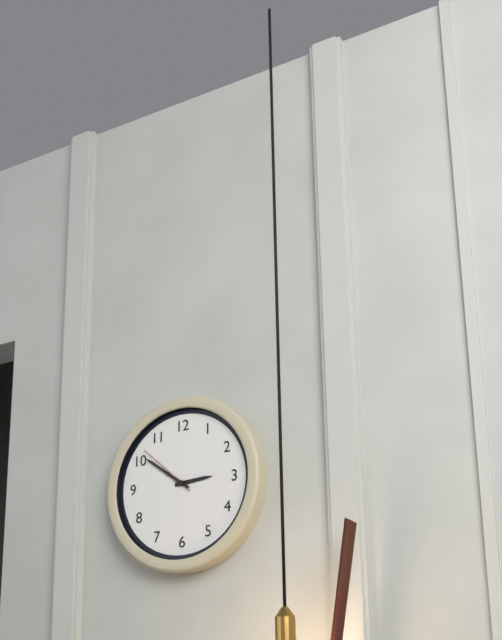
{"hour": 2, "minute": 51, "second": 52}
